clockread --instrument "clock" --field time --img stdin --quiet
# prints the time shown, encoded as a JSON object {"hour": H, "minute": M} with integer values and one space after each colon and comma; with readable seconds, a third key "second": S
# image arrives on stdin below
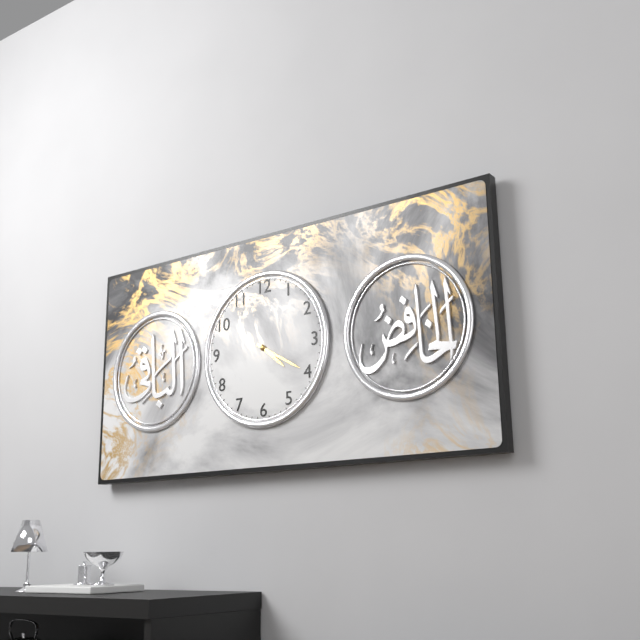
{"hour": 4, "minute": 20}
